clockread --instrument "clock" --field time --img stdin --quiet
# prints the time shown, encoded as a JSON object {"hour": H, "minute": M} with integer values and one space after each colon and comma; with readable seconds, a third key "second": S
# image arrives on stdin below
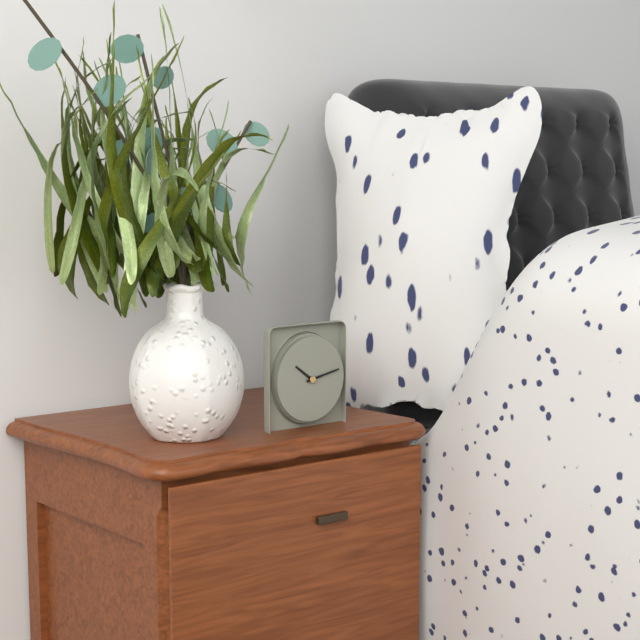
{"hour": 10, "minute": 13}
